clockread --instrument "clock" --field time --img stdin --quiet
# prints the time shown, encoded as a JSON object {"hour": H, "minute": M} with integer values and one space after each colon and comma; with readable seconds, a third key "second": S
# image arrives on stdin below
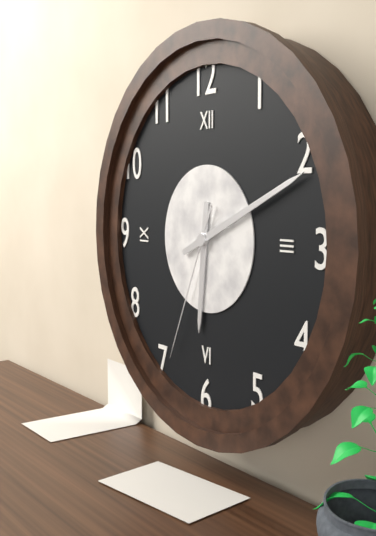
{"hour": 6, "minute": 11, "second": 34}
